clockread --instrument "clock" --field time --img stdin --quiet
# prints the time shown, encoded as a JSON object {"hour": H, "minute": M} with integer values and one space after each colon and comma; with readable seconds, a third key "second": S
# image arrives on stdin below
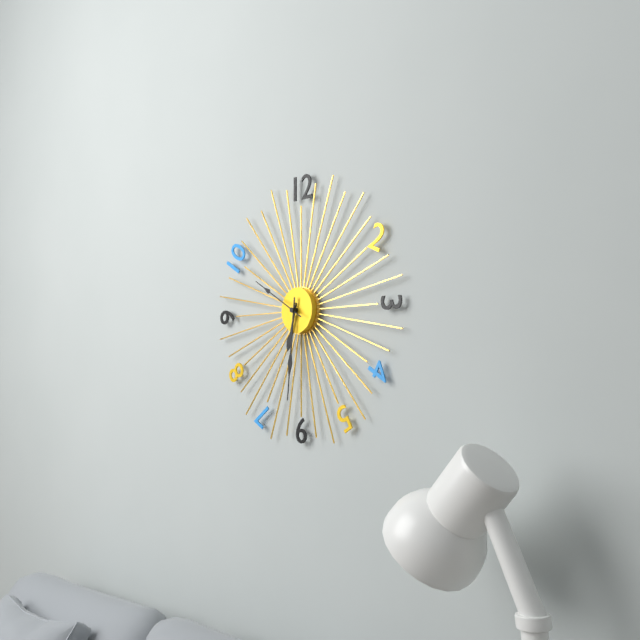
{"hour": 6, "minute": 31, "second": 50}
